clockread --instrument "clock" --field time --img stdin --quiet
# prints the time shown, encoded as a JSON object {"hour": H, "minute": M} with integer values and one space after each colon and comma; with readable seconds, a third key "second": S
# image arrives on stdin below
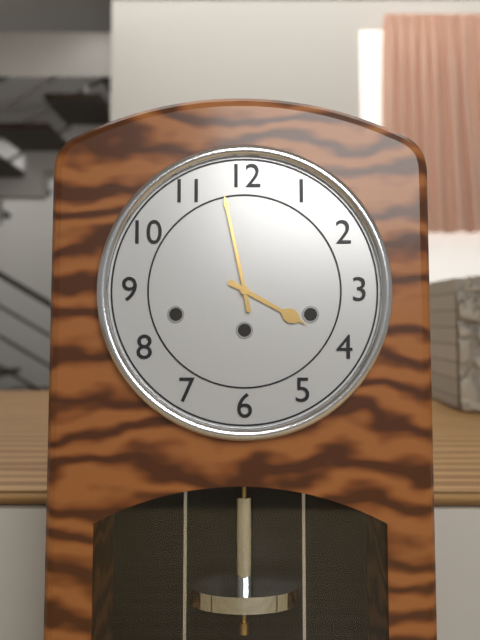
{"hour": 3, "minute": 58}
